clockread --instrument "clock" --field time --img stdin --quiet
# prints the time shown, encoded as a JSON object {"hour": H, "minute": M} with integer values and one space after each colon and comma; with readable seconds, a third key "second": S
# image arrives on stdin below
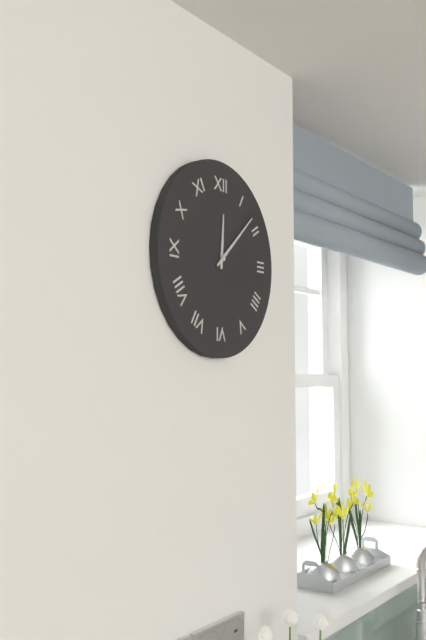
{"hour": 12, "minute": 8}
